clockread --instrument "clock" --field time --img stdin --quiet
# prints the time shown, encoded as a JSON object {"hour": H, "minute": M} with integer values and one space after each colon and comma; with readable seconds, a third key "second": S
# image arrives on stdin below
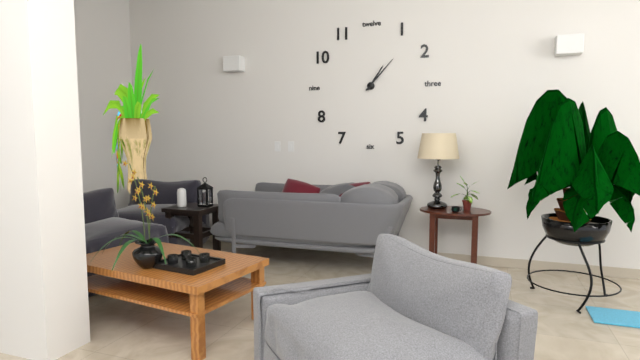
{"hour": 1, "minute": 7}
